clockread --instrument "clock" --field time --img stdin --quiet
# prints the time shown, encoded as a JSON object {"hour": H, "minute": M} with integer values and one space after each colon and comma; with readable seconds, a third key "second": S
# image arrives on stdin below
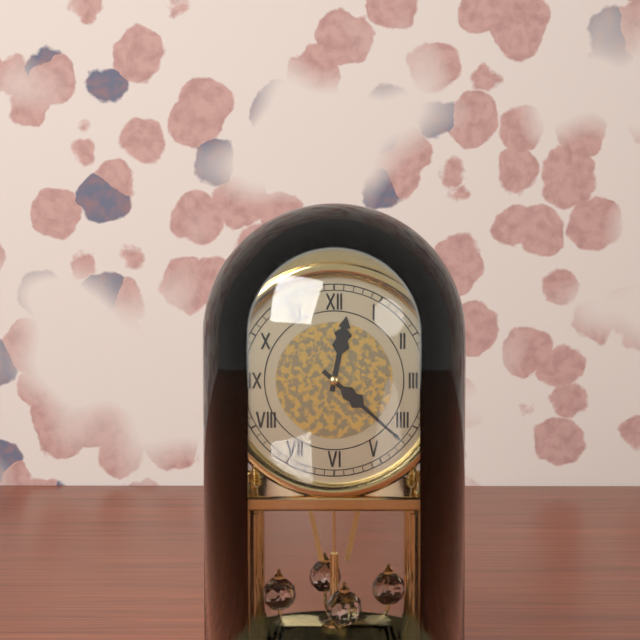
{"hour": 12, "minute": 22}
